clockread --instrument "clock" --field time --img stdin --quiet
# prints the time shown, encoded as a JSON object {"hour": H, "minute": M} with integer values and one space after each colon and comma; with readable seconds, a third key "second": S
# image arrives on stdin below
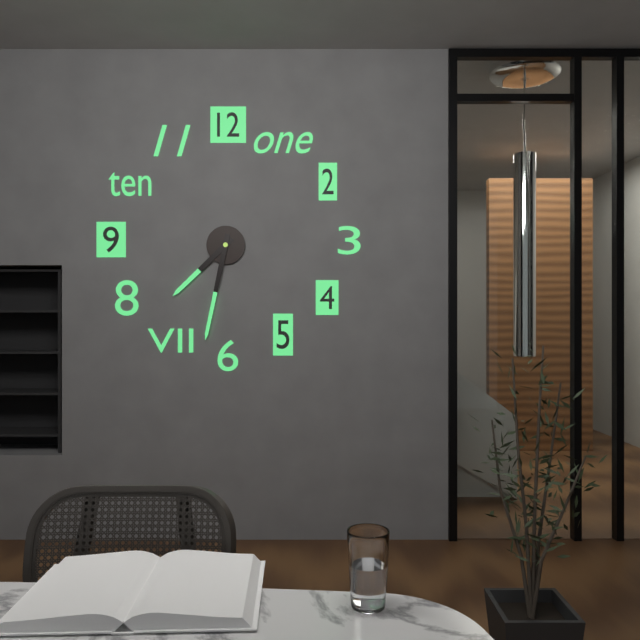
{"hour": 7, "minute": 32}
